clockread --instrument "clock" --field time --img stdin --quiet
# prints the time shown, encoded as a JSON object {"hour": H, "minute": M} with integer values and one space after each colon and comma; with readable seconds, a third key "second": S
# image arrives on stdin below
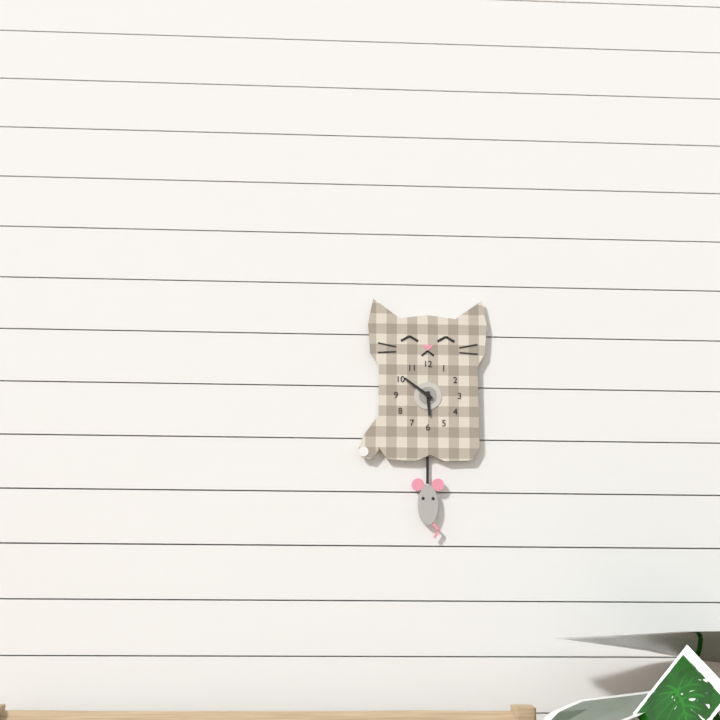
{"hour": 5, "minute": 51}
